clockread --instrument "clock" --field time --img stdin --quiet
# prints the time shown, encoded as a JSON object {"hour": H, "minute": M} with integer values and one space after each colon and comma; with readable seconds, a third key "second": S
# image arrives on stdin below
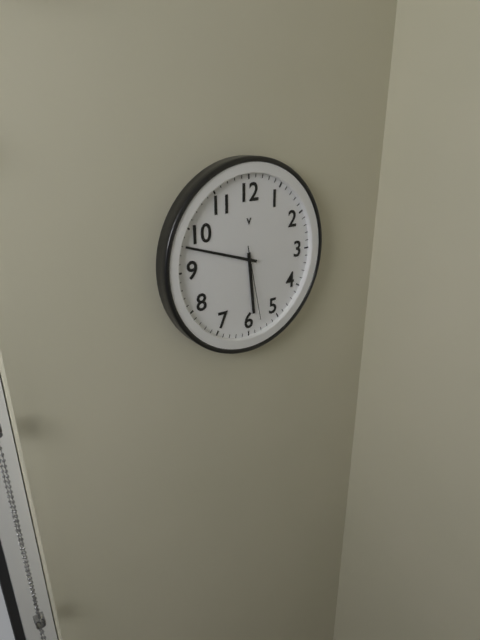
{"hour": 5, "minute": 48, "second": 28}
